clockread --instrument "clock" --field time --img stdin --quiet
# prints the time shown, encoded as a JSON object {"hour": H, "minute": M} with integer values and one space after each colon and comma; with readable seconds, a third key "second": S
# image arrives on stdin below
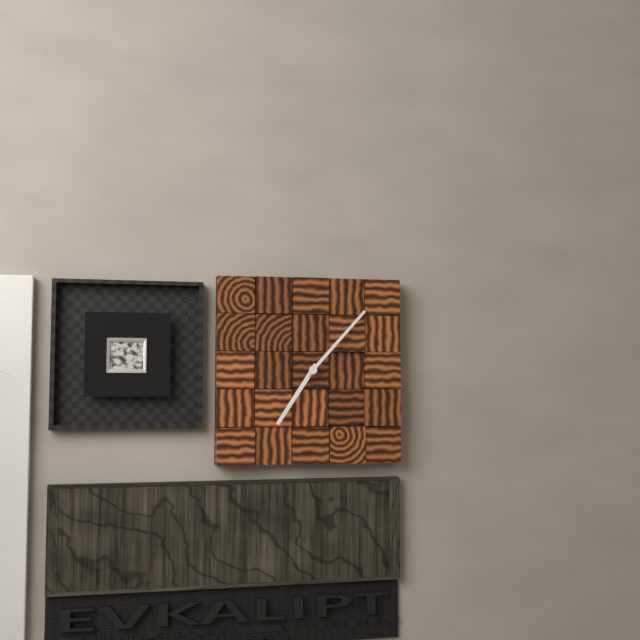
{"hour": 7, "minute": 7}
